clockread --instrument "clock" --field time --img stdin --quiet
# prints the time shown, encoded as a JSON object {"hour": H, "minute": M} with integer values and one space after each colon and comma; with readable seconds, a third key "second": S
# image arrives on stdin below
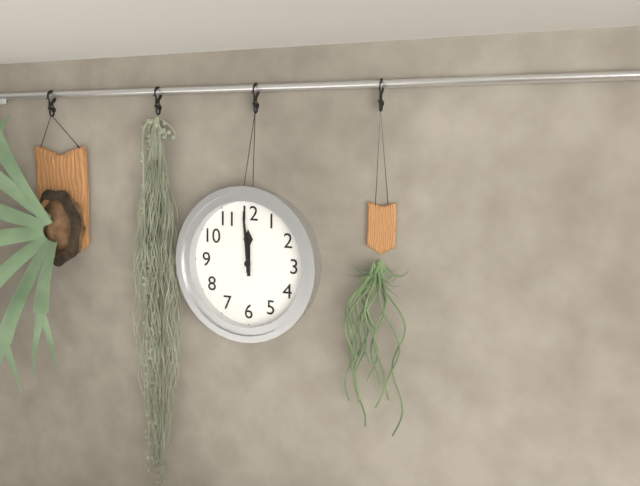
{"hour": 11, "minute": 59}
